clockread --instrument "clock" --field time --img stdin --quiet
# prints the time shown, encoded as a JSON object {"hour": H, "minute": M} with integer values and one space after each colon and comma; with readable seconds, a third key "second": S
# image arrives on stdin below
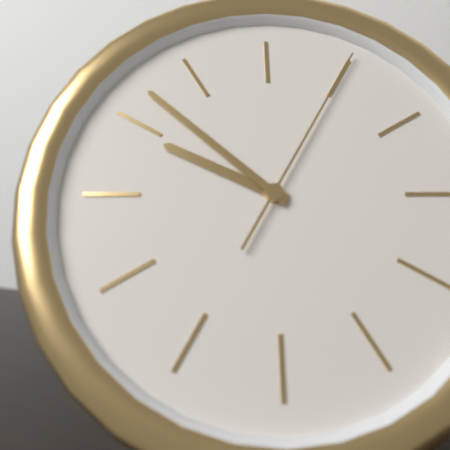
{"hour": 9, "minute": 52, "second": 5}
